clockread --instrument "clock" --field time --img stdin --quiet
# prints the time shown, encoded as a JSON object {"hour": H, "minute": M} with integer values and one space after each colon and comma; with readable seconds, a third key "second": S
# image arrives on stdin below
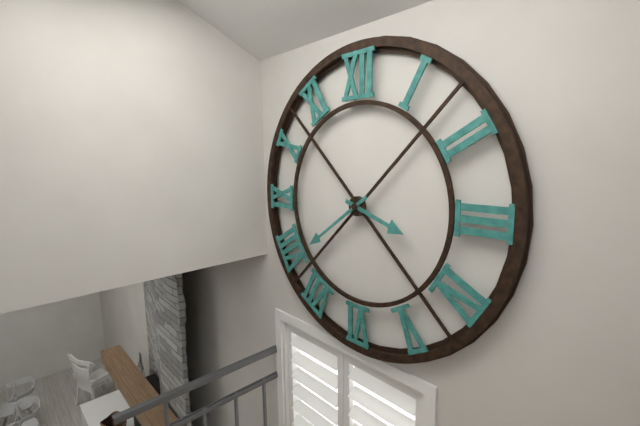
{"hour": 3, "minute": 39}
